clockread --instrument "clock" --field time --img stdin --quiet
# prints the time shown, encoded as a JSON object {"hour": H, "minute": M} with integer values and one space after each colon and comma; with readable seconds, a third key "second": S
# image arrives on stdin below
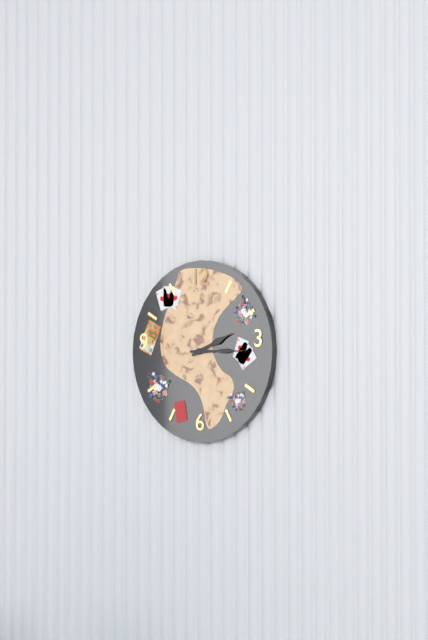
{"hour": 2, "minute": 15}
